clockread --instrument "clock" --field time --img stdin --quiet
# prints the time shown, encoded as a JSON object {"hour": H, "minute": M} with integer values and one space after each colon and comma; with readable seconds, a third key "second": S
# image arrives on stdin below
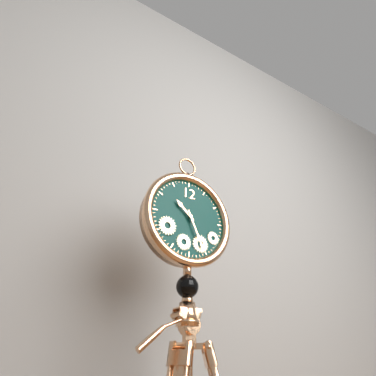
{"hour": 10, "minute": 26}
